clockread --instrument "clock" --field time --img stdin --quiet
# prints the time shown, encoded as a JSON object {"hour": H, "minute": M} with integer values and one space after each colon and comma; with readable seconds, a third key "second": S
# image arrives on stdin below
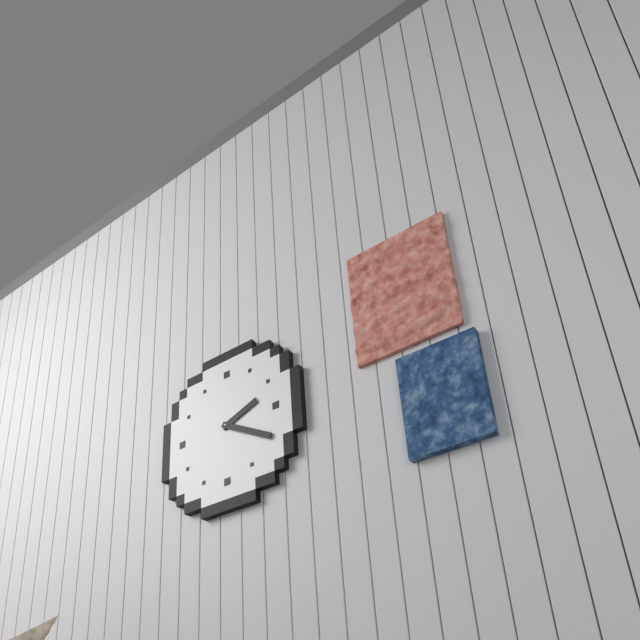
{"hour": 2, "minute": 20}
